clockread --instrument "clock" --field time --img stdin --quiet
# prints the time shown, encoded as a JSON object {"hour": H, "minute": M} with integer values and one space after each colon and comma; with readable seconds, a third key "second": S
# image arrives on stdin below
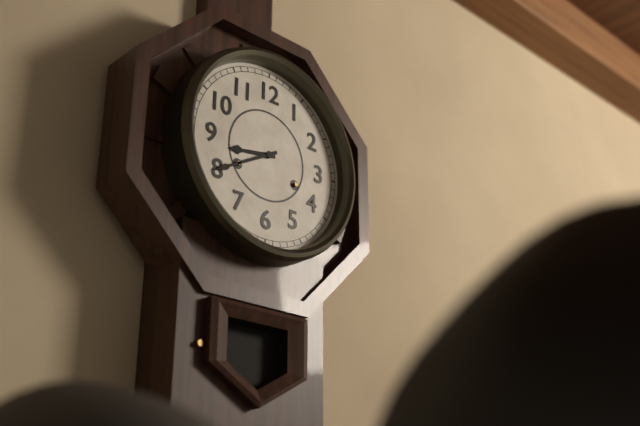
{"hour": 8, "minute": 40}
